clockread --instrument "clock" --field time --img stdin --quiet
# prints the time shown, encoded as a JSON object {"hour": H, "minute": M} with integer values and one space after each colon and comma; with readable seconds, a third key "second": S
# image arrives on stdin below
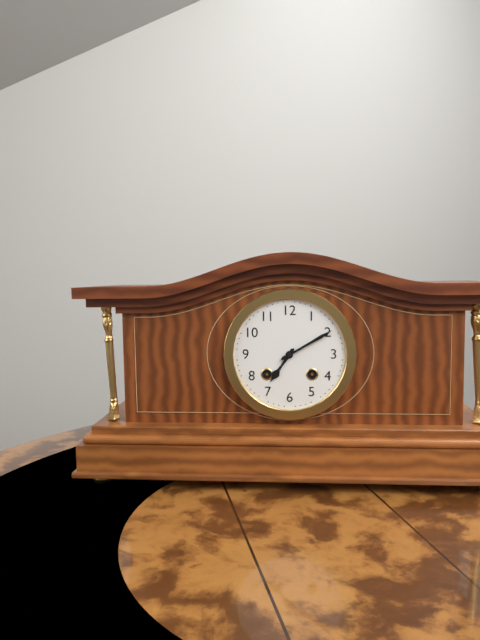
{"hour": 7, "minute": 10}
